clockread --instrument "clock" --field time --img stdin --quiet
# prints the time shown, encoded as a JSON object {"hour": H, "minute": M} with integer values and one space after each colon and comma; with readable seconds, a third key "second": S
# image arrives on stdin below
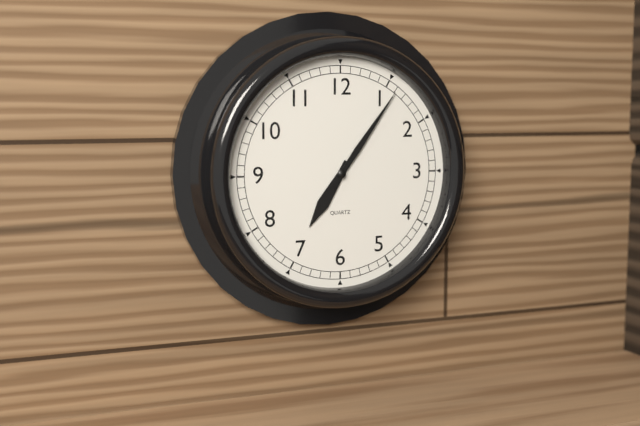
{"hour": 7, "minute": 6}
